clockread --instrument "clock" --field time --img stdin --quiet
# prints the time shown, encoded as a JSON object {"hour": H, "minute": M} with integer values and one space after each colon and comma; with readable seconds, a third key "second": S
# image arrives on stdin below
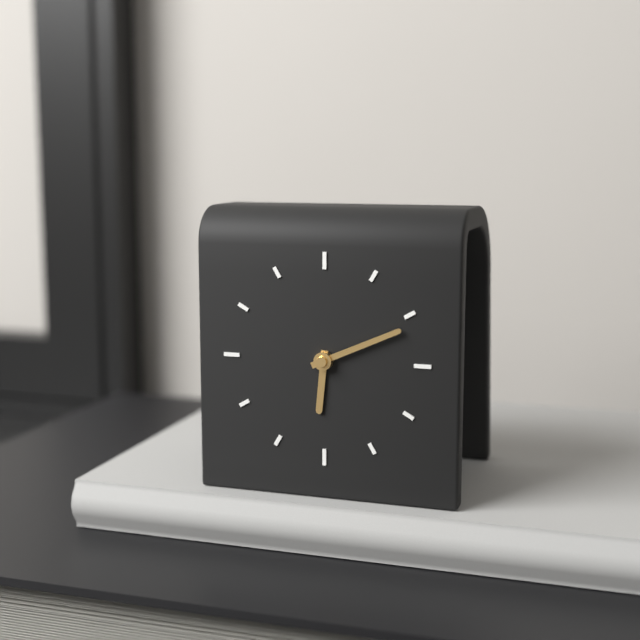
{"hour": 6, "minute": 11}
